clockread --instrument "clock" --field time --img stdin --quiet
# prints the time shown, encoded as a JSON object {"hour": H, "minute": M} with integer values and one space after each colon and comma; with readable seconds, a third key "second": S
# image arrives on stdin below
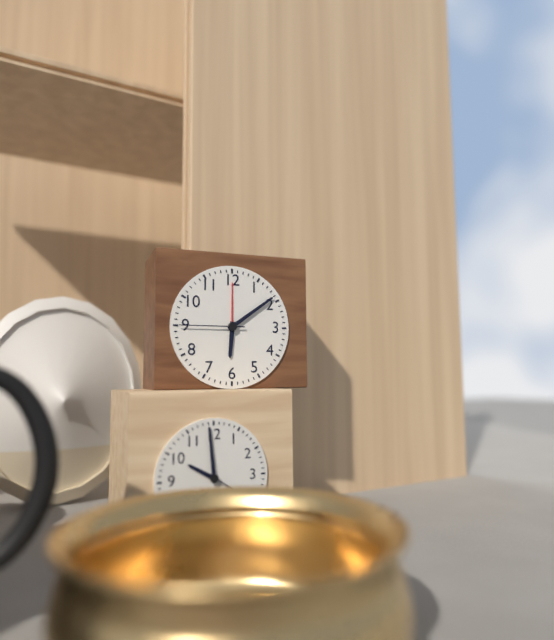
{"hour": 6, "minute": 9, "second": 45}
